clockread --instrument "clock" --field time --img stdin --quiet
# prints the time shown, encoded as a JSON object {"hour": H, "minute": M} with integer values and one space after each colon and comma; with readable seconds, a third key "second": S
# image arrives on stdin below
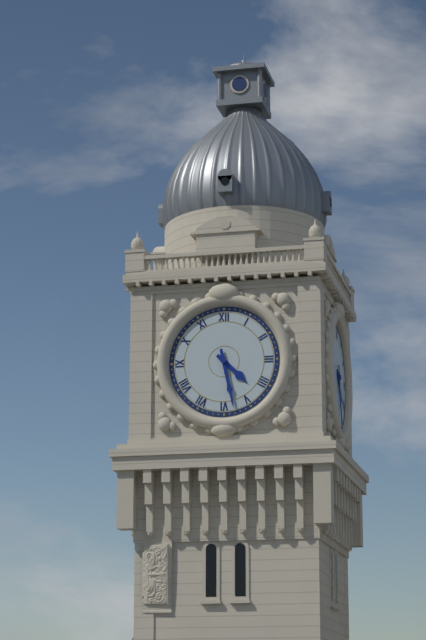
{"hour": 4, "minute": 28}
